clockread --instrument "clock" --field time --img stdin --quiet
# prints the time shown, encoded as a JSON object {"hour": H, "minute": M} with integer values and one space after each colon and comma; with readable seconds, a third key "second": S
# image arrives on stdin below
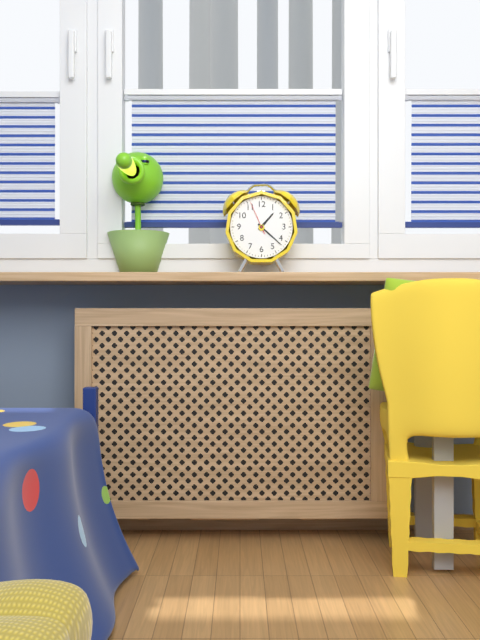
{"hour": 1, "minute": 22}
